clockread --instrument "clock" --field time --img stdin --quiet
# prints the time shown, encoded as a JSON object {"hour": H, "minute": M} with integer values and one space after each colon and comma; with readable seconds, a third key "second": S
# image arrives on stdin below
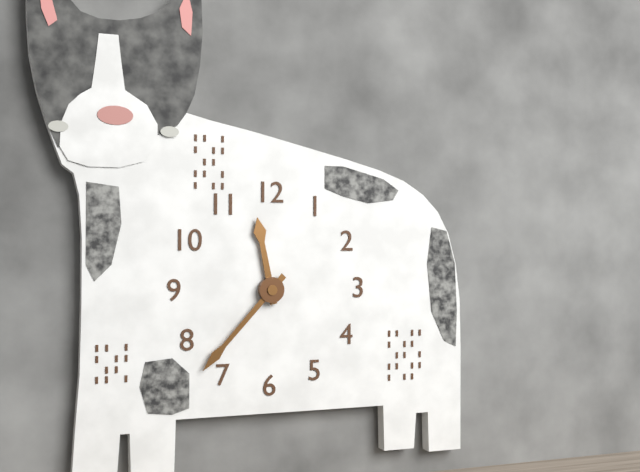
{"hour": 11, "minute": 37}
